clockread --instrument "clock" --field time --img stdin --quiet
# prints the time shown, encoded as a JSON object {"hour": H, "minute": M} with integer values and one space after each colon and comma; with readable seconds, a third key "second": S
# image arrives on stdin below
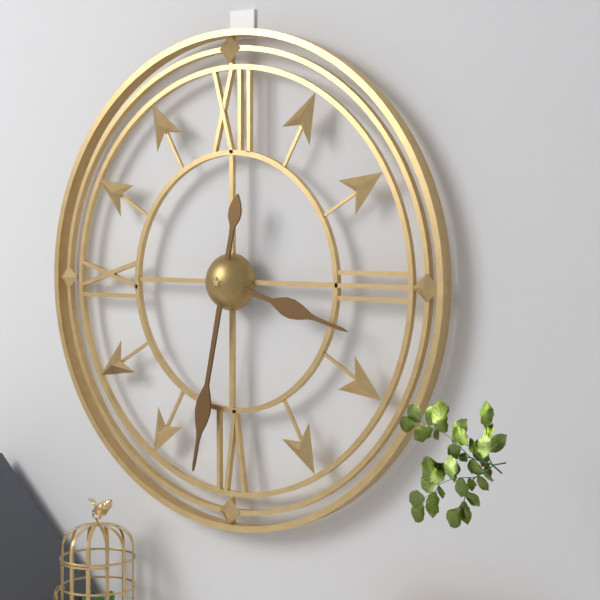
{"hour": 3, "minute": 32}
